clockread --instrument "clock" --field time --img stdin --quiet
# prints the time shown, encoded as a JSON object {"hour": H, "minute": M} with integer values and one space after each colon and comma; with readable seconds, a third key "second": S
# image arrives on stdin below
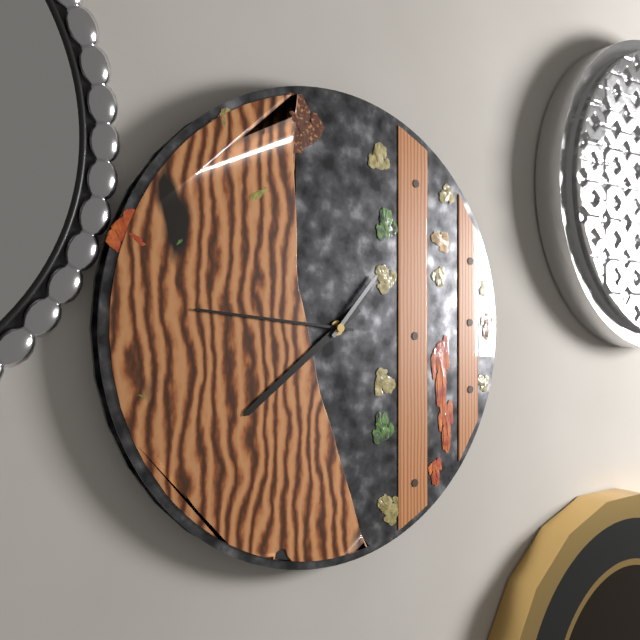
{"hour": 7, "minute": 46, "second": 7}
